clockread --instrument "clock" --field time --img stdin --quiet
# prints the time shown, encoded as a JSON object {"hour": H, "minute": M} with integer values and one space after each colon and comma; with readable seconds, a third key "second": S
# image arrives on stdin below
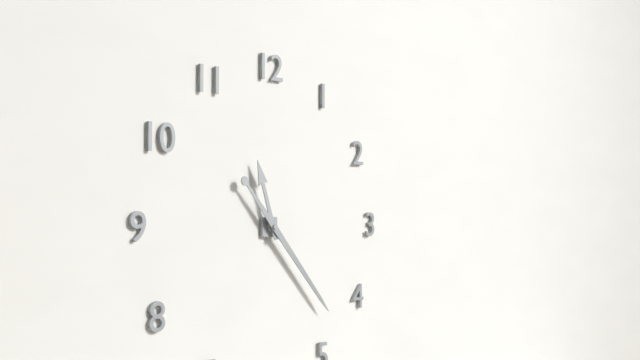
{"hour": 11, "minute": 23}
